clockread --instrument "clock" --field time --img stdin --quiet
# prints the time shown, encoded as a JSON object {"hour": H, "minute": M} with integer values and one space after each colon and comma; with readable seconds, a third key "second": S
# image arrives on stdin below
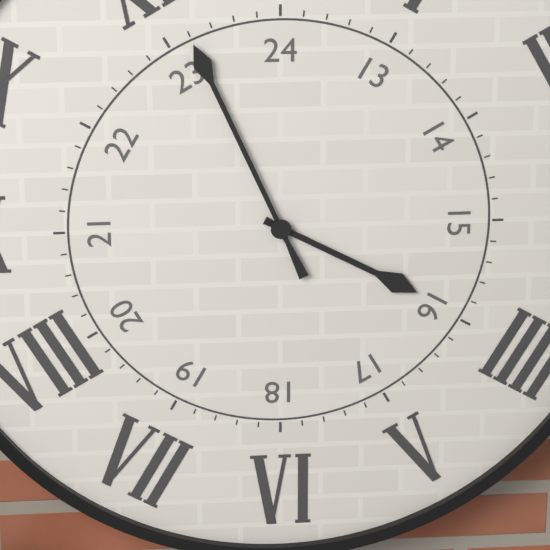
{"hour": 3, "minute": 56}
